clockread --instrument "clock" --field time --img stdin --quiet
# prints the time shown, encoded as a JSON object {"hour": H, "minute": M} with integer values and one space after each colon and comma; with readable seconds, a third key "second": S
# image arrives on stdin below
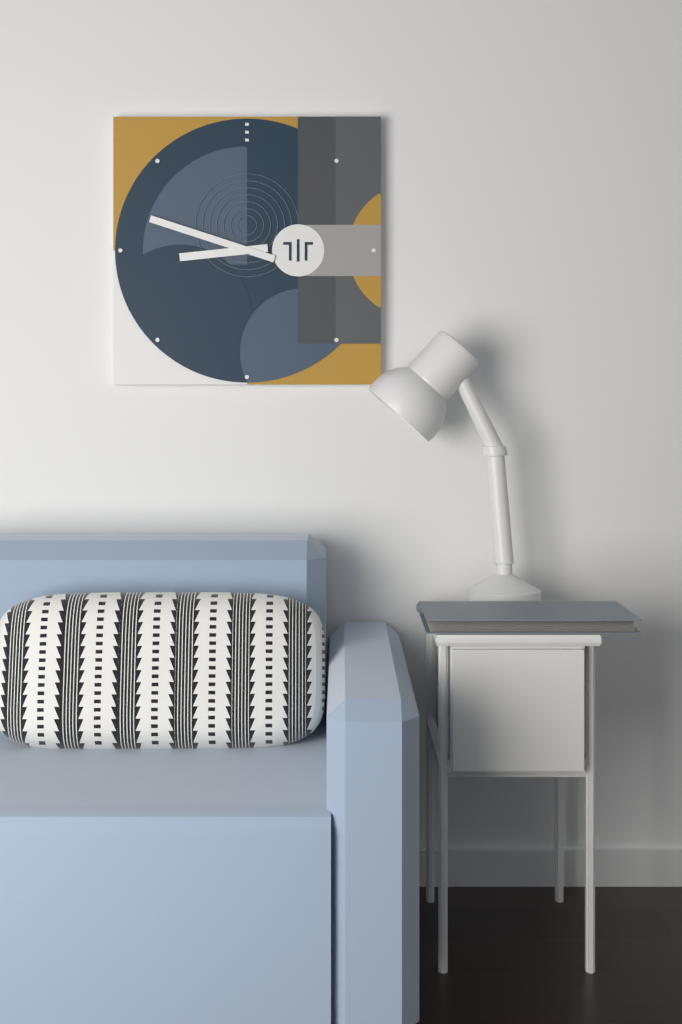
{"hour": 8, "minute": 48}
